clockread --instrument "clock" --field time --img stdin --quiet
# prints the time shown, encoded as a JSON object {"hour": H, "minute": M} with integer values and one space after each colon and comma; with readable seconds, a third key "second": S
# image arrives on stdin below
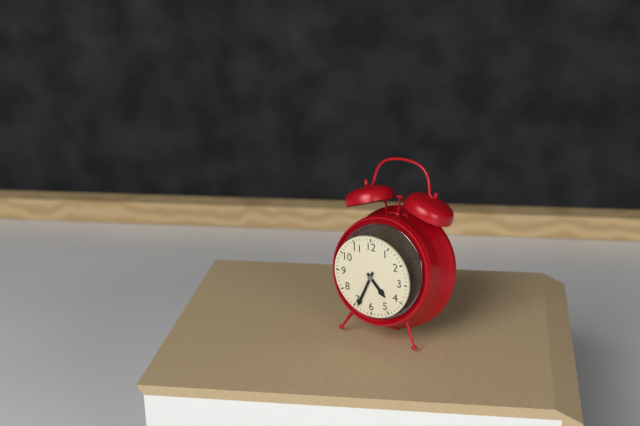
{"hour": 4, "minute": 34}
